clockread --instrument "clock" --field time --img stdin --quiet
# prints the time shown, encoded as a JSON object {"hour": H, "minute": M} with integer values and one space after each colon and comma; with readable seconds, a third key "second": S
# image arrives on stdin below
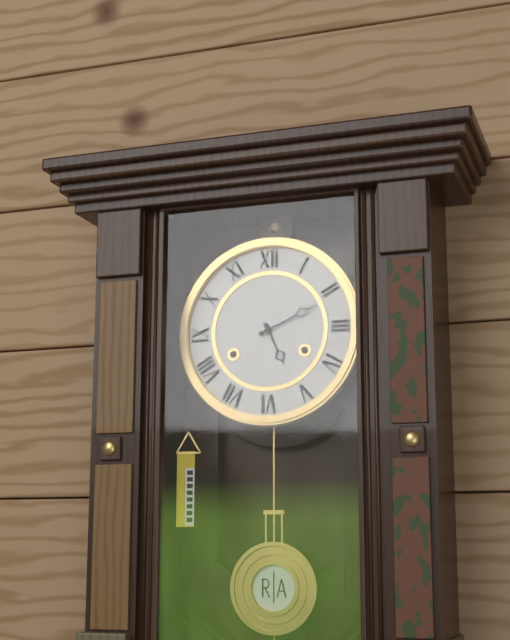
{"hour": 5, "minute": 11}
